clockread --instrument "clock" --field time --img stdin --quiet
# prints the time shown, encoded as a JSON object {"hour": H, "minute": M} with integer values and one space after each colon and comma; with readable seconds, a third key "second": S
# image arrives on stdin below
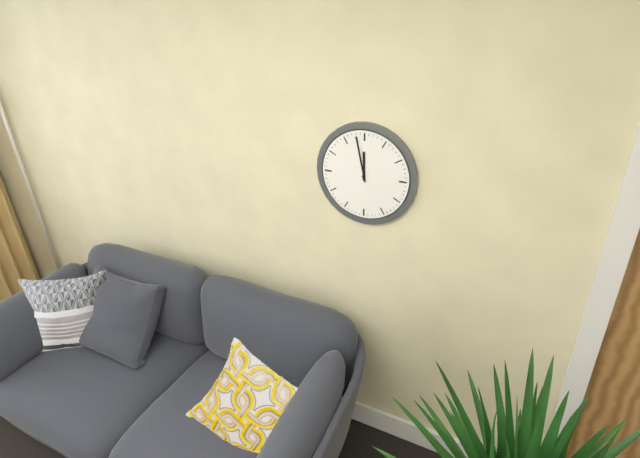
{"hour": 11, "minute": 58}
